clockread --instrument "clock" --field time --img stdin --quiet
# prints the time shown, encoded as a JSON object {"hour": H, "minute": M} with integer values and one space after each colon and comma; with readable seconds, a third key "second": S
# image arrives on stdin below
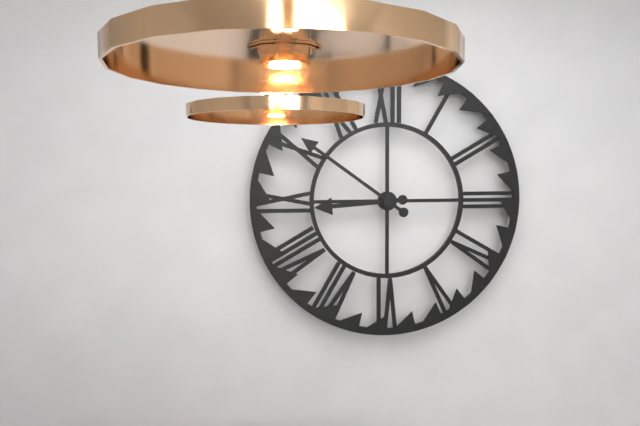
{"hour": 8, "minute": 51}
